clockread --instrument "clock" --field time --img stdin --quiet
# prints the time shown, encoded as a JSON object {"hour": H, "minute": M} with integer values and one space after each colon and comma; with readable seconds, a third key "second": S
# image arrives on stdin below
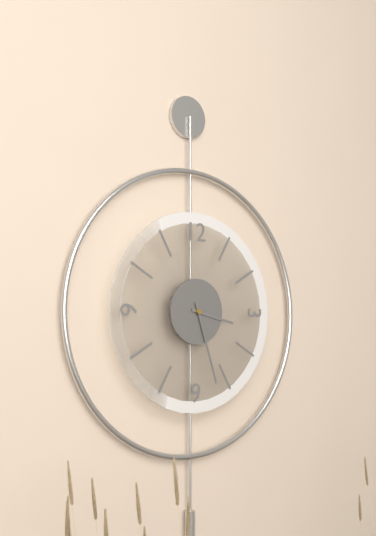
{"hour": 3, "minute": 27}
